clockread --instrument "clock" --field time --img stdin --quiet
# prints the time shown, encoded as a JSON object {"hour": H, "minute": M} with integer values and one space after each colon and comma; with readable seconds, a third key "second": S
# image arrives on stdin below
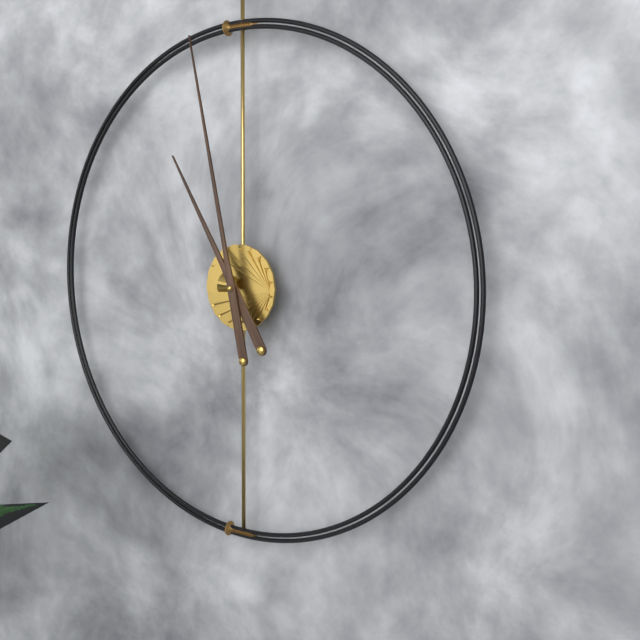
{"hour": 10, "minute": 58}
